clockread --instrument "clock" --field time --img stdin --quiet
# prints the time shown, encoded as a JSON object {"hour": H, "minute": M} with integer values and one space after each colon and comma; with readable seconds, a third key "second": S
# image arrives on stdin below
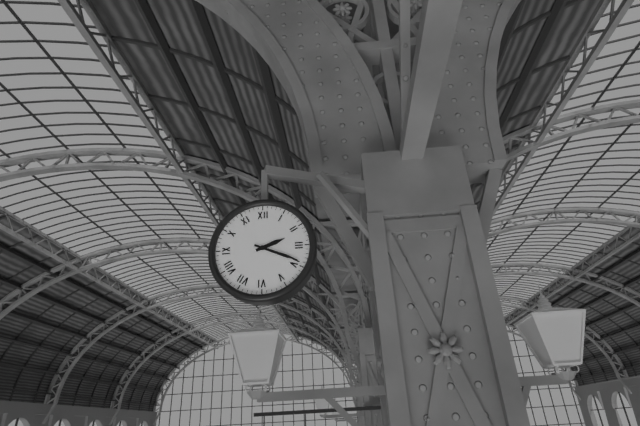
{"hour": 2, "minute": 19}
